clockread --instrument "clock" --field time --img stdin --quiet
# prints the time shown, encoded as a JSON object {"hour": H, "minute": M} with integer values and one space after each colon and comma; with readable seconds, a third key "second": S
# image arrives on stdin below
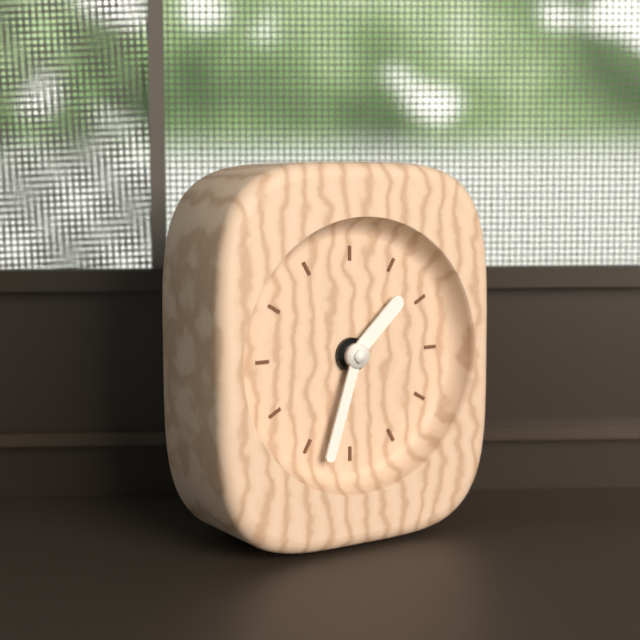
{"hour": 1, "minute": 33}
